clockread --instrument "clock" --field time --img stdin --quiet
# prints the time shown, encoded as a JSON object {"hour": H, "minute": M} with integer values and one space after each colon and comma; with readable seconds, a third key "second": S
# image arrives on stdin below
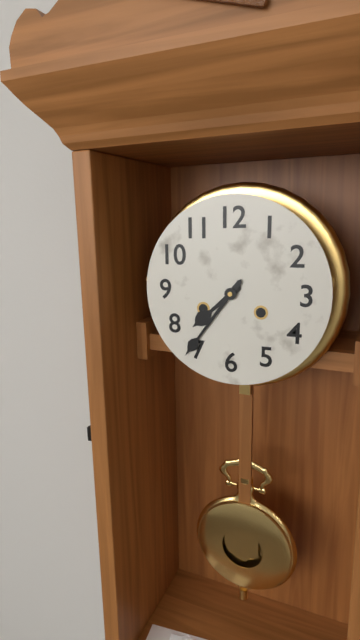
{"hour": 7, "minute": 36}
